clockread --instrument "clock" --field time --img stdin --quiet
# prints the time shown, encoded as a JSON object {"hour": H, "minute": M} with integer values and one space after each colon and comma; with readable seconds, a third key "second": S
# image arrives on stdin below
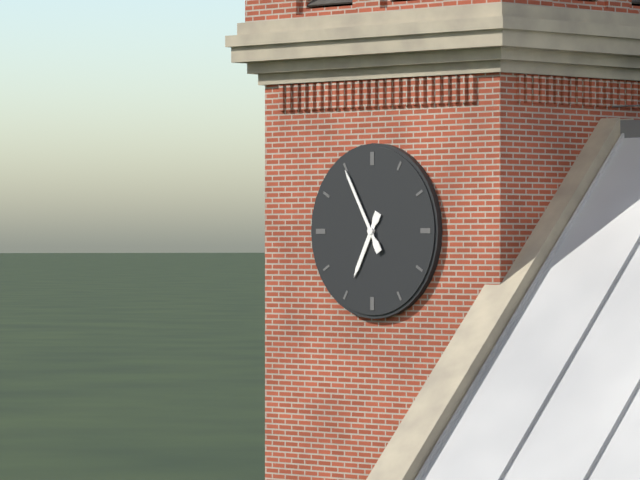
{"hour": 6, "minute": 55}
